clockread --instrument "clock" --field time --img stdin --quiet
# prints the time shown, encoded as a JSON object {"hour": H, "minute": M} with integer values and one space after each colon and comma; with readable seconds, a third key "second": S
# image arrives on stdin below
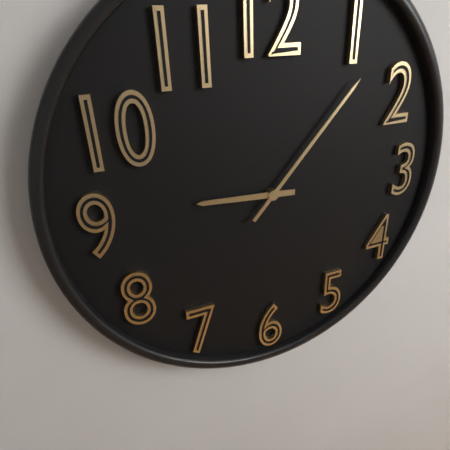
{"hour": 9, "minute": 7}
